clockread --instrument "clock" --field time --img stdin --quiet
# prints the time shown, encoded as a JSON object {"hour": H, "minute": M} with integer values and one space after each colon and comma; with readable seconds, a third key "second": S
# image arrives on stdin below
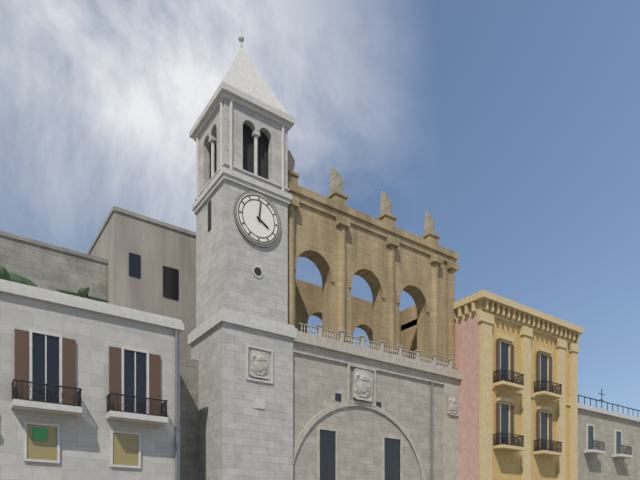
{"hour": 4, "minute": 1}
